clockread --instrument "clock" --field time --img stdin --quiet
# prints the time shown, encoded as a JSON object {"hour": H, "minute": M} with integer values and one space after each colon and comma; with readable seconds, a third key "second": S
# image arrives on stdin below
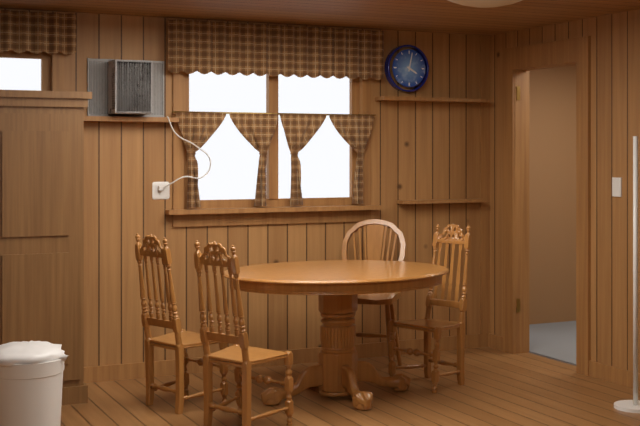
{"hour": 4, "minute": 2}
